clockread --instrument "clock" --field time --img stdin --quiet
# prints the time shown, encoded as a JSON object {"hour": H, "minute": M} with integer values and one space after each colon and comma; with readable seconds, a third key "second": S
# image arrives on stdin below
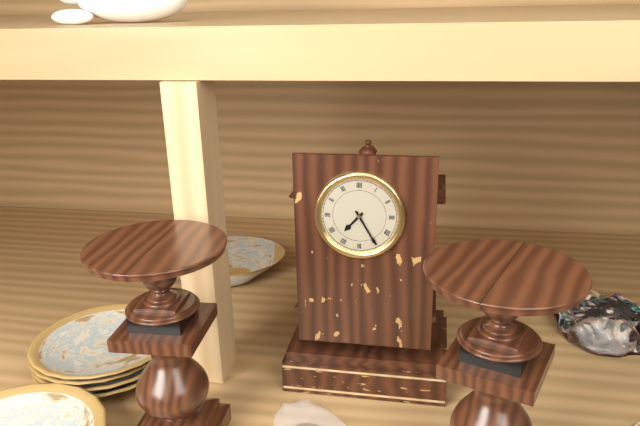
{"hour": 7, "minute": 25}
